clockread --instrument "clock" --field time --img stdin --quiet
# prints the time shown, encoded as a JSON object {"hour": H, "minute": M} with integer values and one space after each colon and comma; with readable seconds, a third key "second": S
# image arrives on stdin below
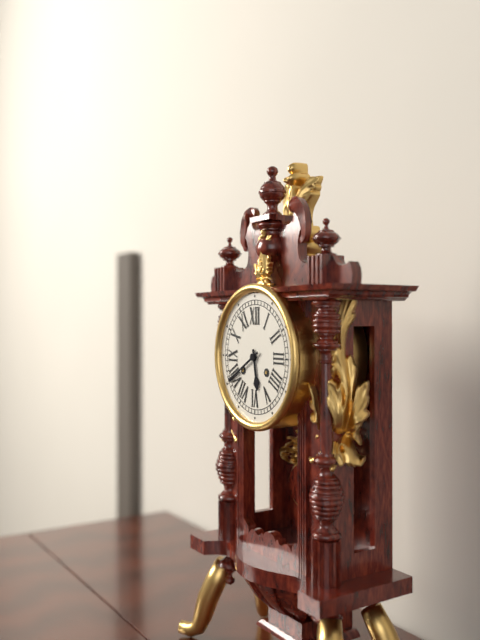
{"hour": 5, "minute": 40}
